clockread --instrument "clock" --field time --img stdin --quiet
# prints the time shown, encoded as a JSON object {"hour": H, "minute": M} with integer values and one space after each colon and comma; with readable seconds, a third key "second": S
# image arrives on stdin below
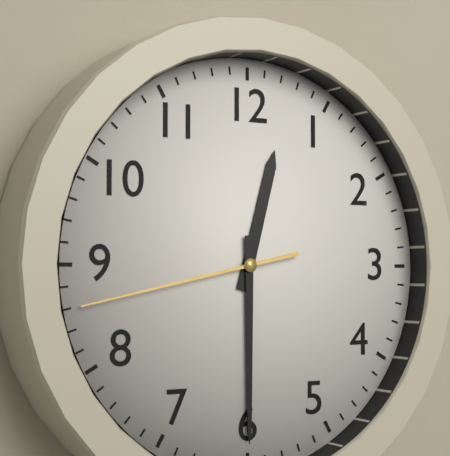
{"hour": 12, "minute": 30, "second": 43}
